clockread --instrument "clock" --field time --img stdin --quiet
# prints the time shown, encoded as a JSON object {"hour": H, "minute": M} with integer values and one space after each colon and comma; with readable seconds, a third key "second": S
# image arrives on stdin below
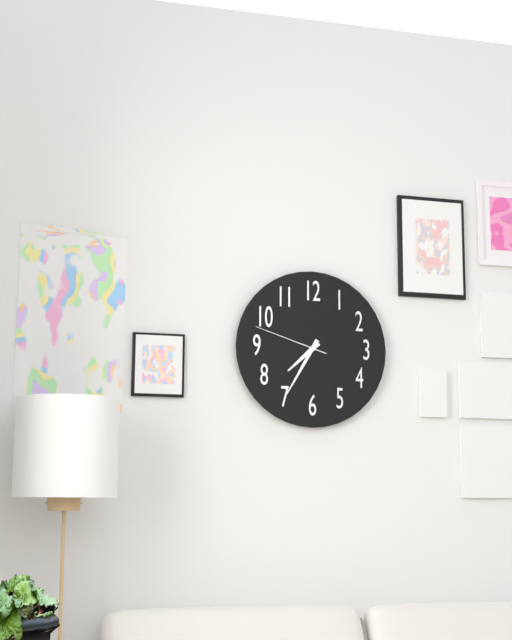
{"hour": 7, "minute": 35, "second": 48}
